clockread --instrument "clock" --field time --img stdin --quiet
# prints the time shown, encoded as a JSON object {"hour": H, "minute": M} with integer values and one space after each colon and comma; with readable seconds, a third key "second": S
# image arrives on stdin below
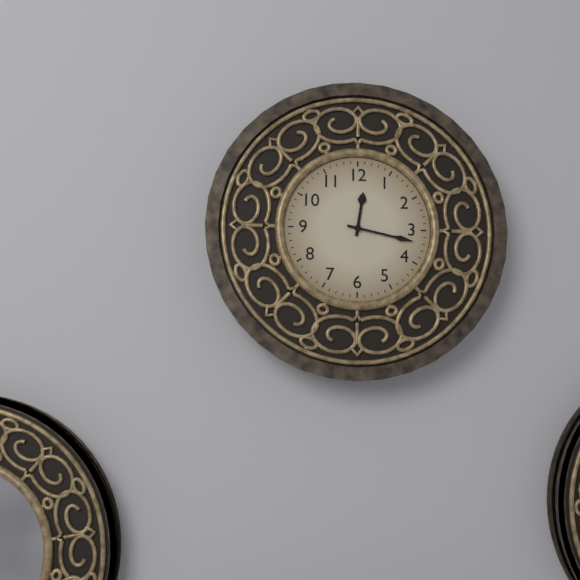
{"hour": 12, "minute": 17}
